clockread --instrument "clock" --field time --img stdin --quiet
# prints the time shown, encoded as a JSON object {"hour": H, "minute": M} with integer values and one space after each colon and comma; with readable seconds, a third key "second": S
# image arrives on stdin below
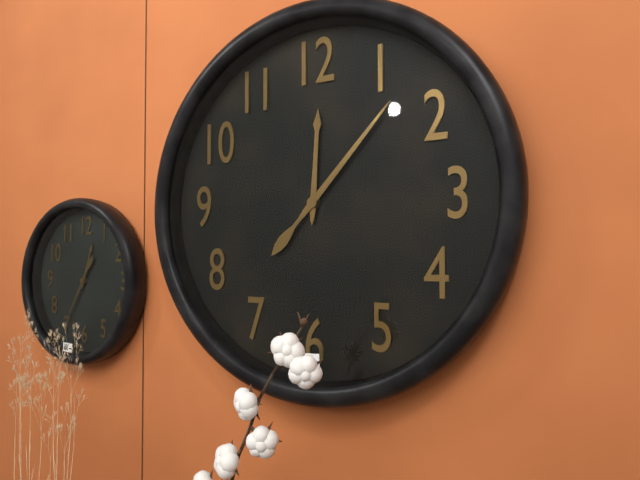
{"hour": 12, "minute": 7}
